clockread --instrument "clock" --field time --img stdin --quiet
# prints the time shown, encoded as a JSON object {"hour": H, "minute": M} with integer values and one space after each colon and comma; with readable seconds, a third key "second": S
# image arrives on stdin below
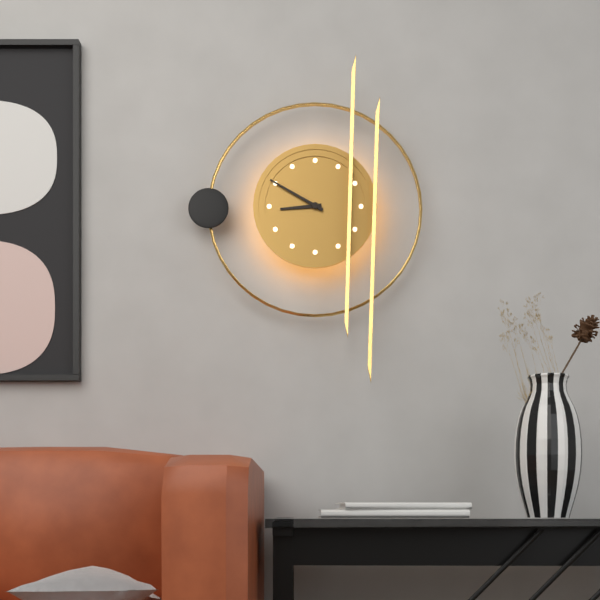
{"hour": 8, "minute": 50}
